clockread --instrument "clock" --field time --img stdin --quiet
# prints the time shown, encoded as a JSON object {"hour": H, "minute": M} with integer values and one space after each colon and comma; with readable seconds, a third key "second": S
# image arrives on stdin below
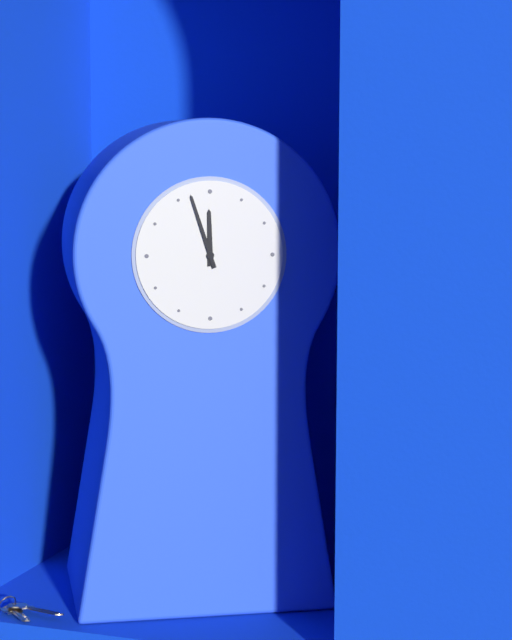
{"hour": 11, "minute": 57}
